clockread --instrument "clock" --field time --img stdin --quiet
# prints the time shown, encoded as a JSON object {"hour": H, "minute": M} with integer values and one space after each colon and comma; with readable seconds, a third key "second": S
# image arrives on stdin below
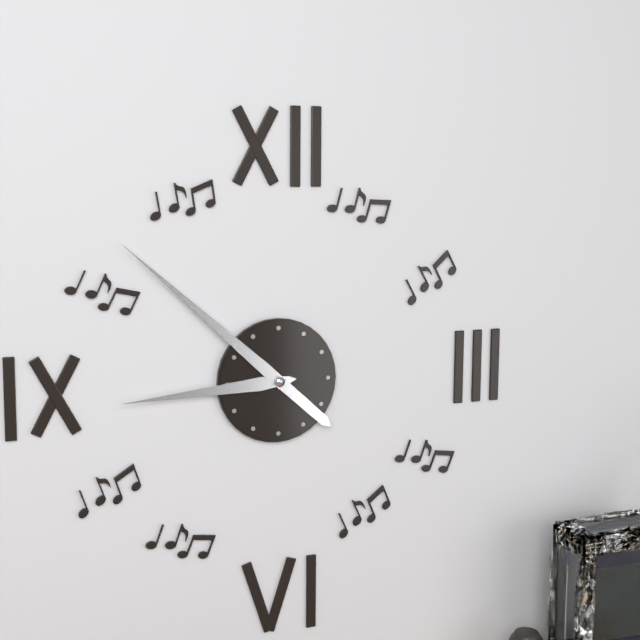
{"hour": 8, "minute": 52}
